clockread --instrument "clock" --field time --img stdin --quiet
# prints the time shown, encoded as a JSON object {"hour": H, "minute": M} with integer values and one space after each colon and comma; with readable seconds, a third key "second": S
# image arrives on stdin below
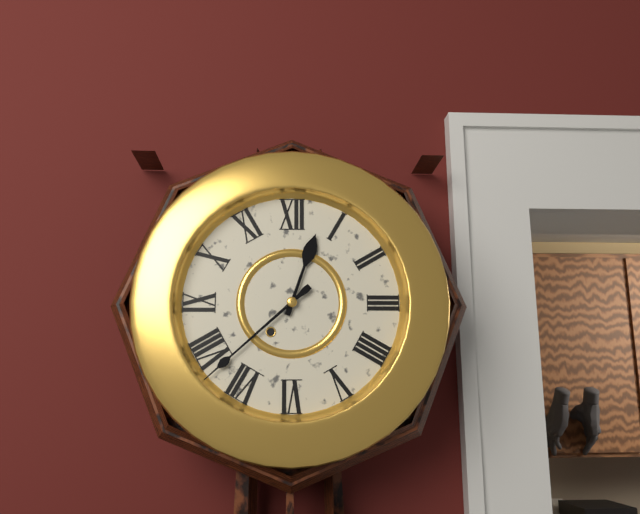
{"hour": 12, "minute": 38}
